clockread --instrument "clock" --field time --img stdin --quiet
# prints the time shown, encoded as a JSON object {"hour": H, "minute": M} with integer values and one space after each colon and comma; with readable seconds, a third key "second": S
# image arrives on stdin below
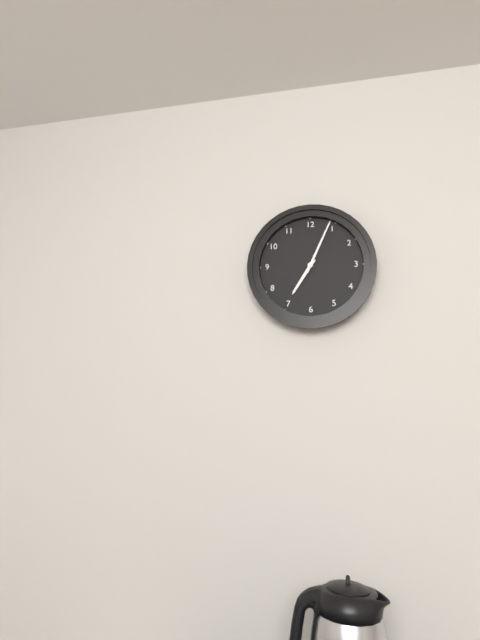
{"hour": 7, "minute": 4}
